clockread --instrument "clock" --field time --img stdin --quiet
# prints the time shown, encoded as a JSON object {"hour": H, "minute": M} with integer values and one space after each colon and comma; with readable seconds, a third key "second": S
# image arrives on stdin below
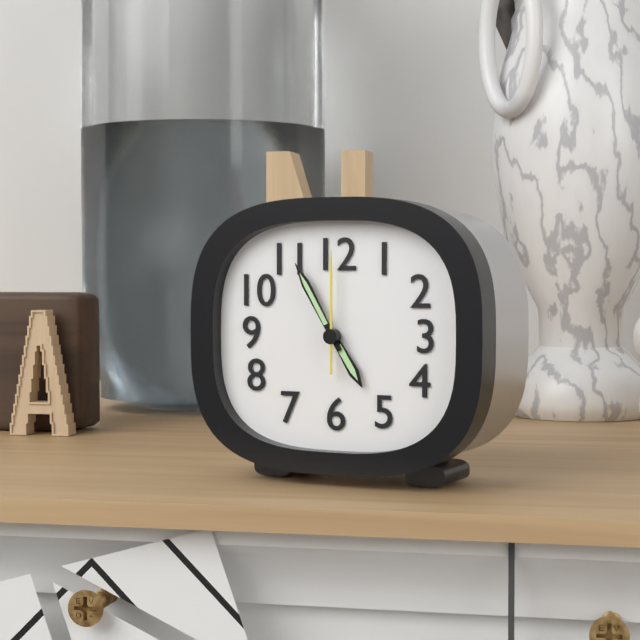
{"hour": 4, "minute": 55, "second": 0}
